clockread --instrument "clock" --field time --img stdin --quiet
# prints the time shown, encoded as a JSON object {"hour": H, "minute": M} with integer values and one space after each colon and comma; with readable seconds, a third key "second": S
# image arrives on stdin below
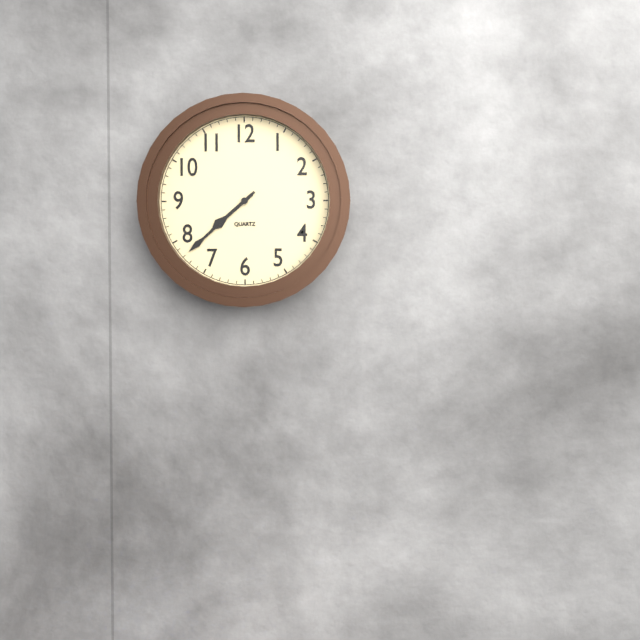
{"hour": 7, "minute": 38}
